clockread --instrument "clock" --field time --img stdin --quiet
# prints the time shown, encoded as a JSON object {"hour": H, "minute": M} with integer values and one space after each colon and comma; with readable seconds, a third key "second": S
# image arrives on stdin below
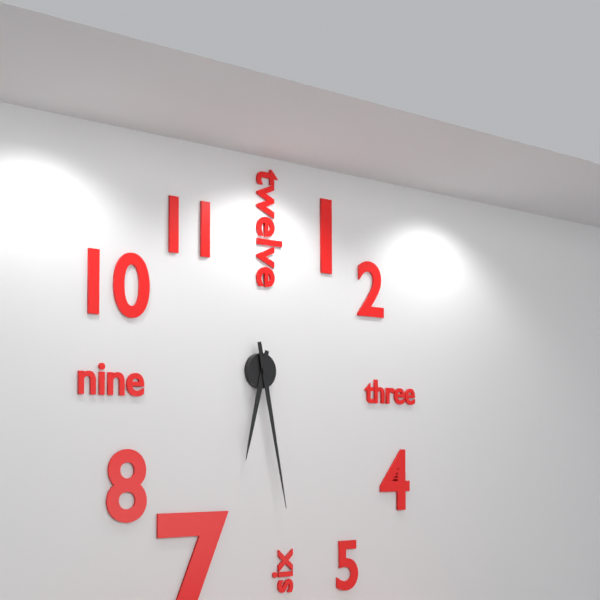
{"hour": 6, "minute": 28}
